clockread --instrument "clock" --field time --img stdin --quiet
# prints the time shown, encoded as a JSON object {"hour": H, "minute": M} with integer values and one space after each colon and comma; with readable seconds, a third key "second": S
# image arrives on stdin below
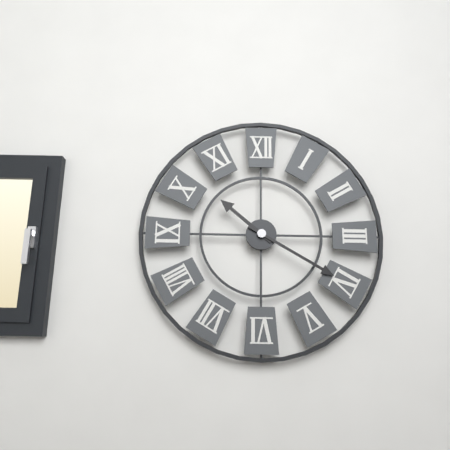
{"hour": 10, "minute": 20}
